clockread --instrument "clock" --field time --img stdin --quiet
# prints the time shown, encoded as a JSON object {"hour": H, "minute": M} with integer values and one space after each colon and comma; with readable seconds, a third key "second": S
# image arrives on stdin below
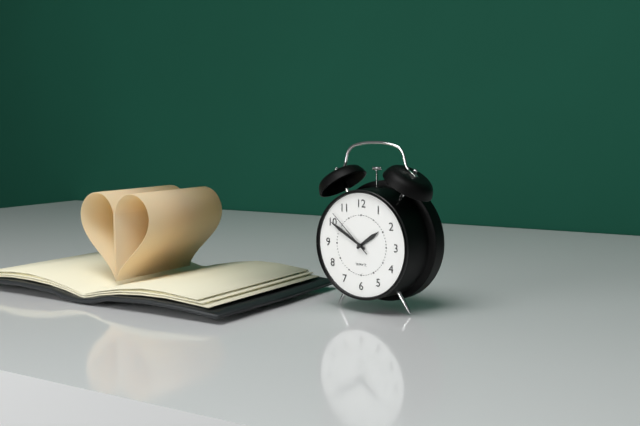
{"hour": 1, "minute": 50, "second": 52}
